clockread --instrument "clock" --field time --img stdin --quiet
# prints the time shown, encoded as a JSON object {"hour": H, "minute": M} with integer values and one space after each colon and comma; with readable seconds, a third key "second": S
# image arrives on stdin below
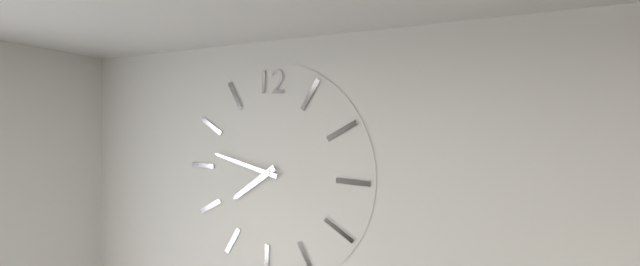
{"hour": 7, "minute": 47}
